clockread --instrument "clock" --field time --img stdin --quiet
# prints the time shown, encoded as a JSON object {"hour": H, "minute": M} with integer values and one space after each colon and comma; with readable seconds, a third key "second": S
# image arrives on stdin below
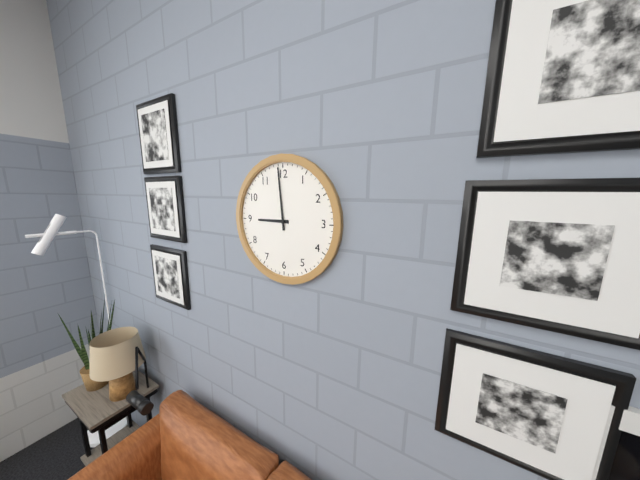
{"hour": 8, "minute": 59}
